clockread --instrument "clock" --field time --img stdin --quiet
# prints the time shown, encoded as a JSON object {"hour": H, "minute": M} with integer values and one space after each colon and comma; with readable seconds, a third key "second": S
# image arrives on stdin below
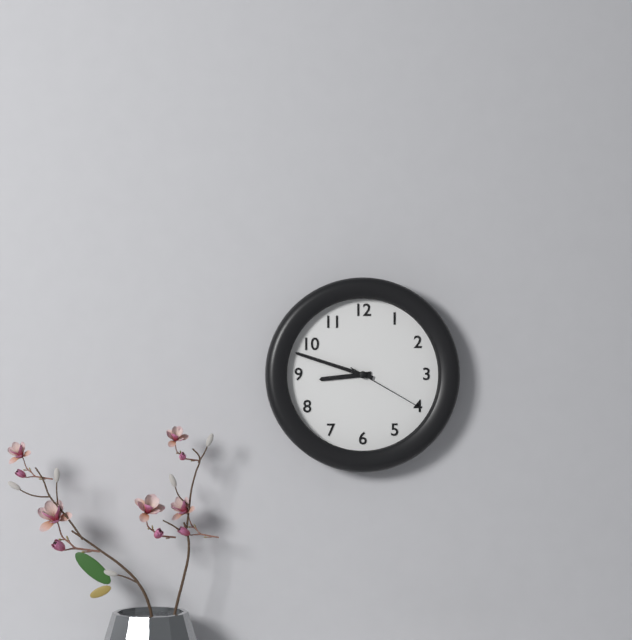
{"hour": 8, "minute": 48, "second": 20}
